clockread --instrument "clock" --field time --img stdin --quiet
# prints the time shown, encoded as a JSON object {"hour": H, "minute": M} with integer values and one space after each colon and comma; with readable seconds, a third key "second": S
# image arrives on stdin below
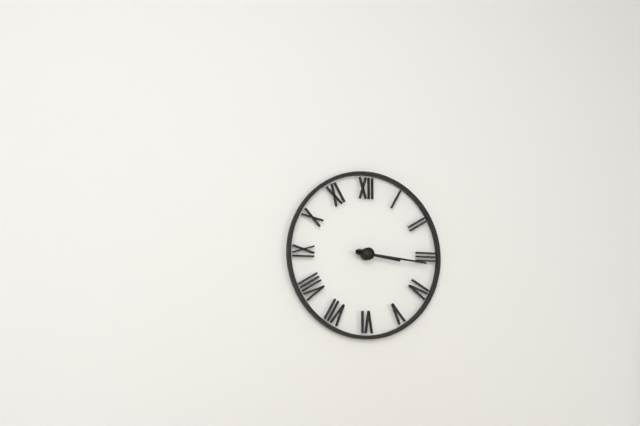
{"hour": 3, "minute": 16}
